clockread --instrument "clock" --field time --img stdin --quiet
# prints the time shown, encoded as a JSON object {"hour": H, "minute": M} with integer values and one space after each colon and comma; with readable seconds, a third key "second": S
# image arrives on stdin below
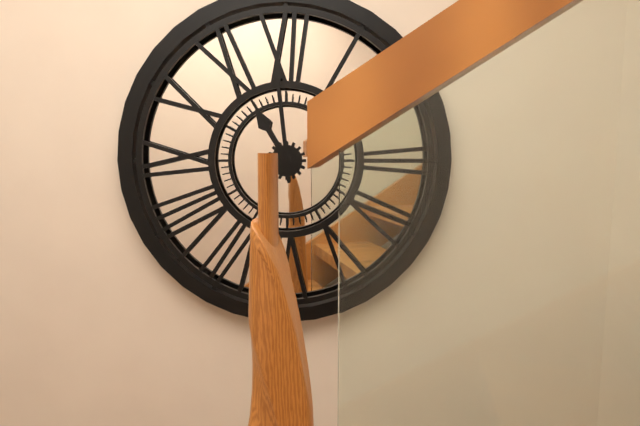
{"hour": 10, "minute": 59}
